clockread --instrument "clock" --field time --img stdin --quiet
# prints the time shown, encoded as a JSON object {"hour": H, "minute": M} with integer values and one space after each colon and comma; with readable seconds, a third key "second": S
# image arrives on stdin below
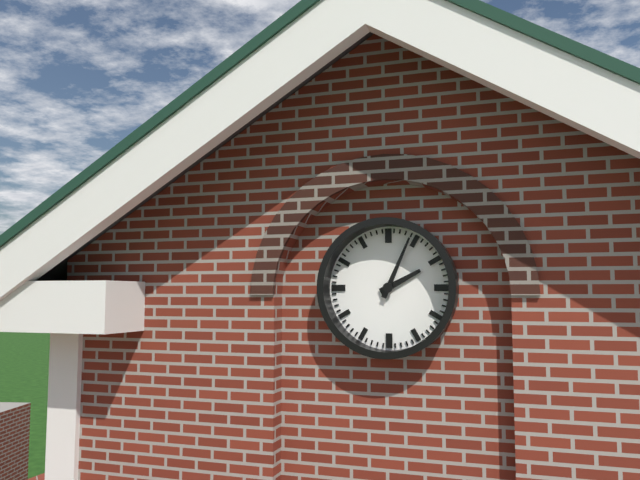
{"hour": 2, "minute": 4}
